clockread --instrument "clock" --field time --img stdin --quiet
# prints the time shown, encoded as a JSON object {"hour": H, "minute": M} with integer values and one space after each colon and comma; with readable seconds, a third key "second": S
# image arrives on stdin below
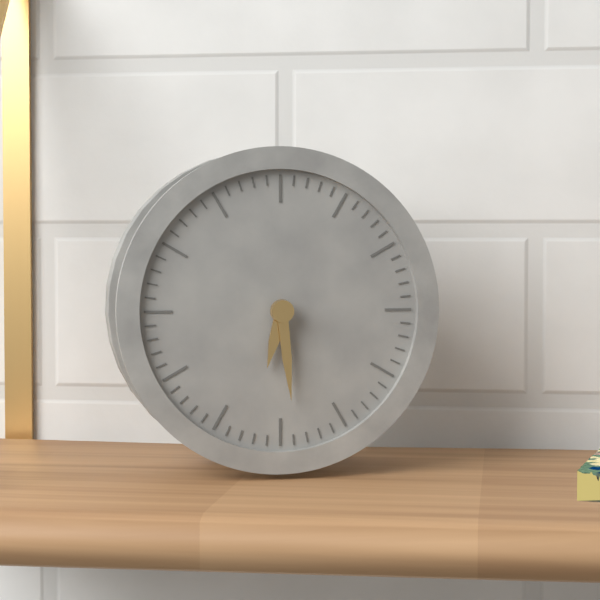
{"hour": 6, "minute": 29}
